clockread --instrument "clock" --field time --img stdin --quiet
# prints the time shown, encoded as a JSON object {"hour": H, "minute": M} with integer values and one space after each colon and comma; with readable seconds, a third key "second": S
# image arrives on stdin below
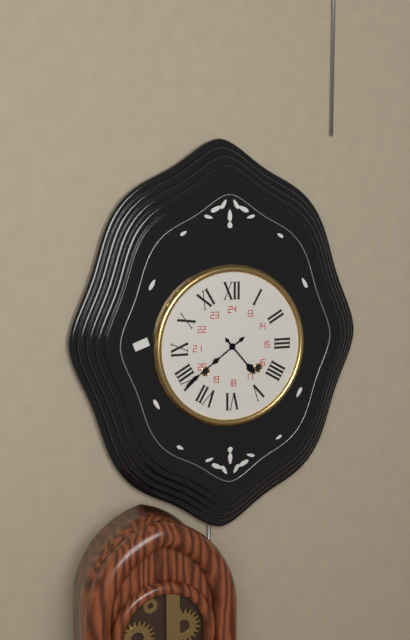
{"hour": 4, "minute": 39}
